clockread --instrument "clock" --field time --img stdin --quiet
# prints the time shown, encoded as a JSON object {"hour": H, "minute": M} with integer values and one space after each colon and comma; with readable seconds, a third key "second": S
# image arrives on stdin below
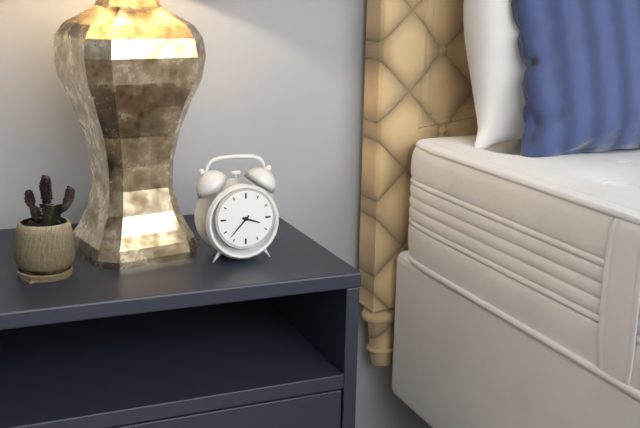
{"hour": 3, "minute": 37}
